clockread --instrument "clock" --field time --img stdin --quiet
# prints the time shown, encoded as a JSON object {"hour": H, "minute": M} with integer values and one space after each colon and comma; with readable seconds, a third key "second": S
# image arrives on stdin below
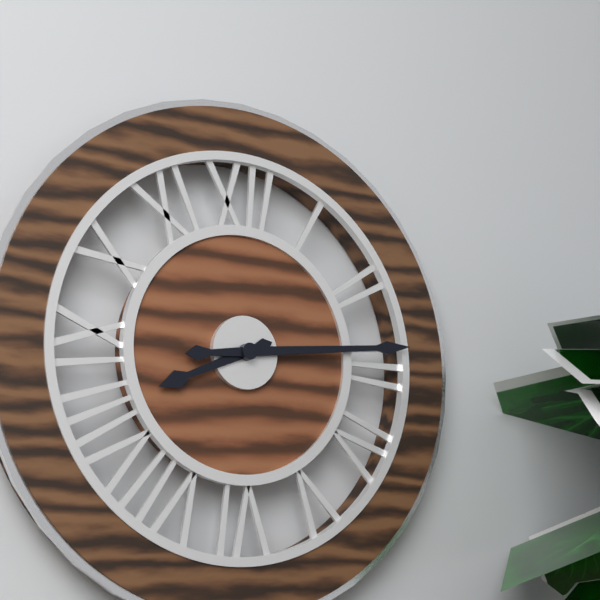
{"hour": 8, "minute": 14}
